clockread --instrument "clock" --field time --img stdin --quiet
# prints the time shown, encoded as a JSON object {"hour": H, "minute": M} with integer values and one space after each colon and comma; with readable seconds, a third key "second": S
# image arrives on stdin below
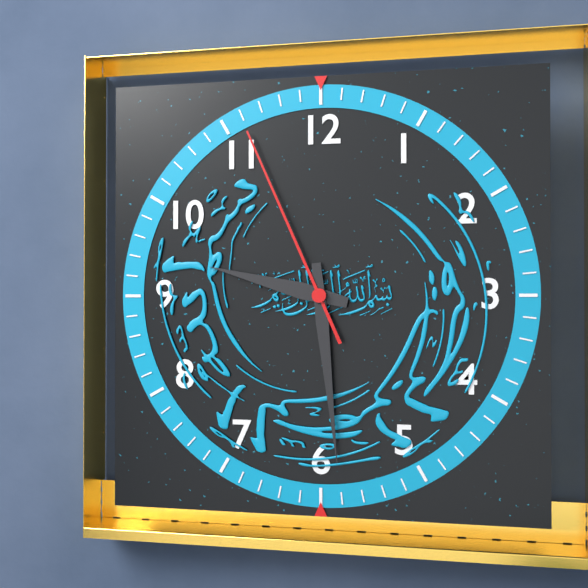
{"hour": 9, "minute": 29, "second": 56}
